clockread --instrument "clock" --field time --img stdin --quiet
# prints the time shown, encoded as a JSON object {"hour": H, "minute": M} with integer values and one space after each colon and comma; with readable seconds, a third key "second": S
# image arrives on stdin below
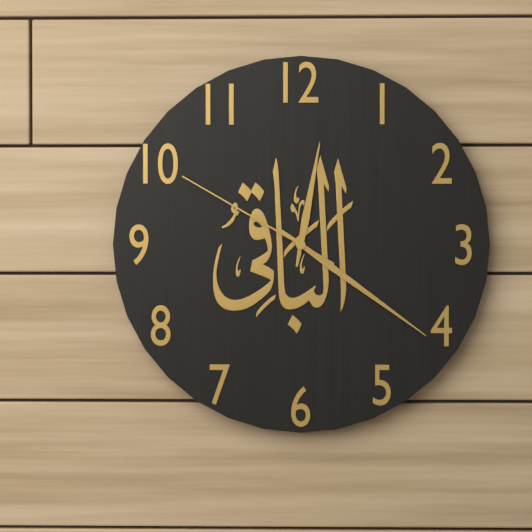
{"hour": 12, "minute": 21, "second": 50}
